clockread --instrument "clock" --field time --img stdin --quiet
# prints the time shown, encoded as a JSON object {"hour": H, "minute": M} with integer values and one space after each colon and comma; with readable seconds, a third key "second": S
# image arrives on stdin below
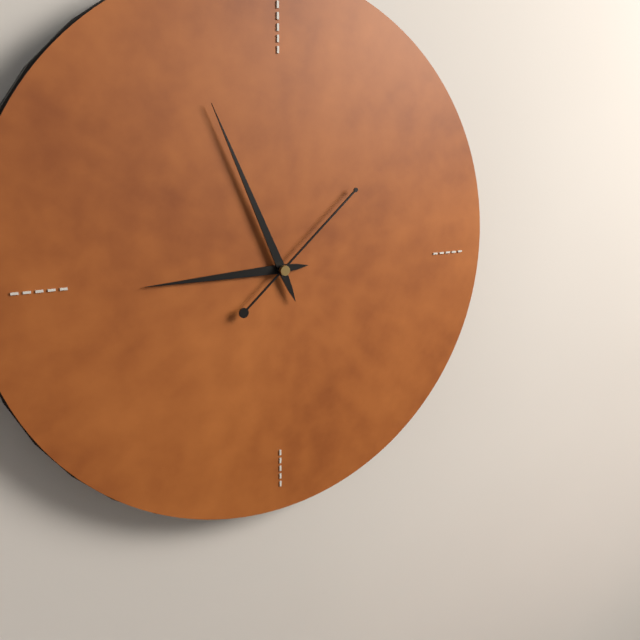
{"hour": 8, "minute": 56, "second": 8}
